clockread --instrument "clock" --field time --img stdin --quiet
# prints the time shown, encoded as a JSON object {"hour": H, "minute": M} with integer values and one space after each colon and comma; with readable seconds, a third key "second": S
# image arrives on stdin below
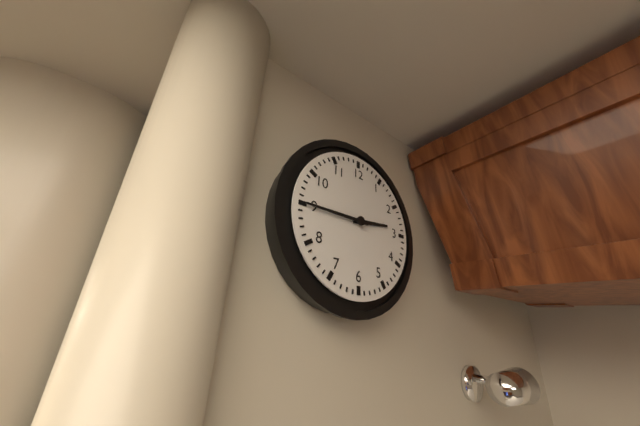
{"hour": 2, "minute": 45}
